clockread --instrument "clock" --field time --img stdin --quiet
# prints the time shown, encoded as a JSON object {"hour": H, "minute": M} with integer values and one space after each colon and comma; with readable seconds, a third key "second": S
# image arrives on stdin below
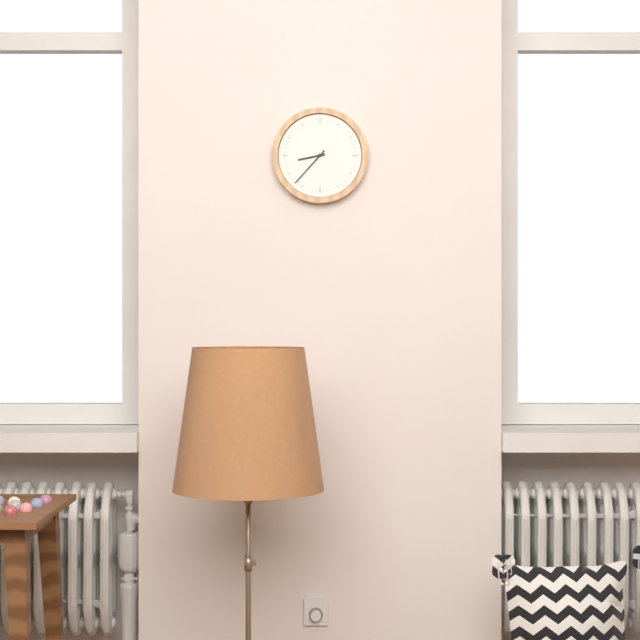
{"hour": 8, "minute": 37}
